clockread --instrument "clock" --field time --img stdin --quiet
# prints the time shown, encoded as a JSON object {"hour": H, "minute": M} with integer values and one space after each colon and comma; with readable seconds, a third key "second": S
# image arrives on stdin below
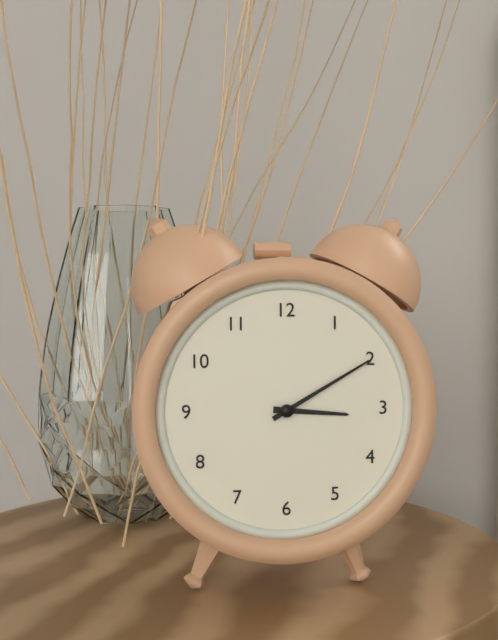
{"hour": 3, "minute": 10}
